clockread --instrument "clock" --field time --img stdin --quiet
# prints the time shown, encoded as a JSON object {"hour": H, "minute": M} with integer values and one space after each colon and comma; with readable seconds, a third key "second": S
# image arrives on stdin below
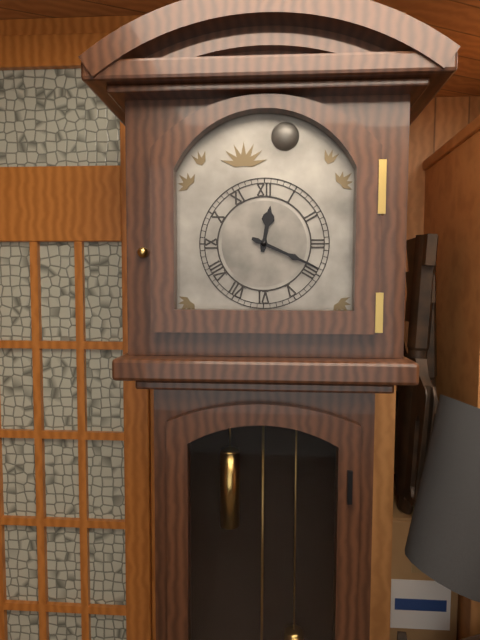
{"hour": 12, "minute": 19}
